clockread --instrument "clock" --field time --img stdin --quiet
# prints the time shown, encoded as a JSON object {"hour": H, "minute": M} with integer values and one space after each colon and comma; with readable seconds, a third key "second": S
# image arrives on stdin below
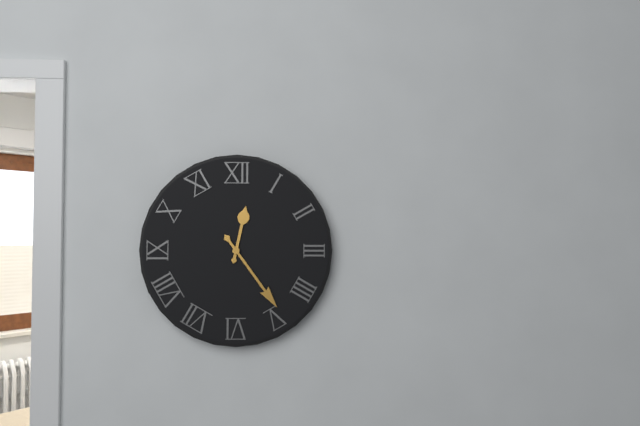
{"hour": 12, "minute": 24}
